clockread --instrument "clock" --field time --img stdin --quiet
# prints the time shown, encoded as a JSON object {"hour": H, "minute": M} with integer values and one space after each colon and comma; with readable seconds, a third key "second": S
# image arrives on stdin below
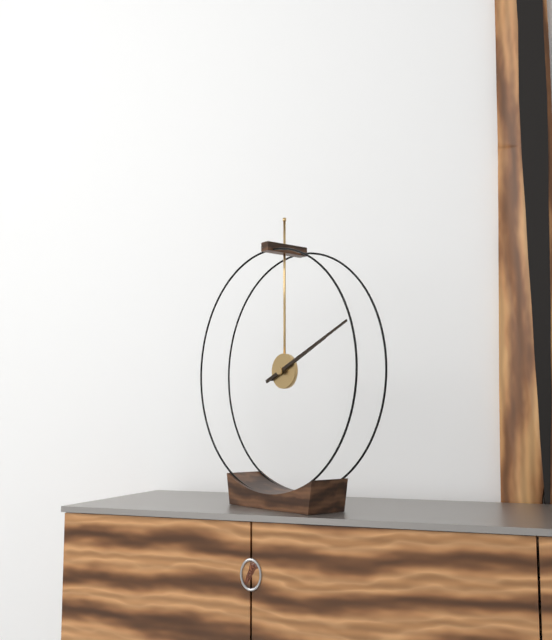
{"hour": 2, "minute": 11}
